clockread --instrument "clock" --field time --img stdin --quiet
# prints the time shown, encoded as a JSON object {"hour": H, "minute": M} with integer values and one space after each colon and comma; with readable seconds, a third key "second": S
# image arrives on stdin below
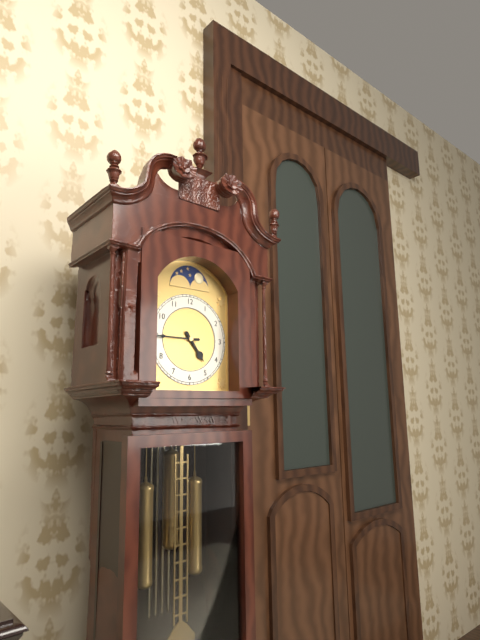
{"hour": 4, "minute": 45}
